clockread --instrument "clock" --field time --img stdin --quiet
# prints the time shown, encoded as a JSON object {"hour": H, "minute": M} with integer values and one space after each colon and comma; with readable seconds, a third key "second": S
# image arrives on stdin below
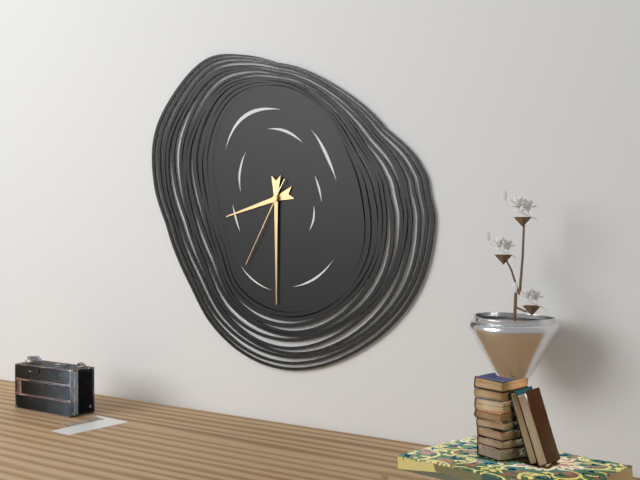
{"hour": 8, "minute": 30, "second": 35}
